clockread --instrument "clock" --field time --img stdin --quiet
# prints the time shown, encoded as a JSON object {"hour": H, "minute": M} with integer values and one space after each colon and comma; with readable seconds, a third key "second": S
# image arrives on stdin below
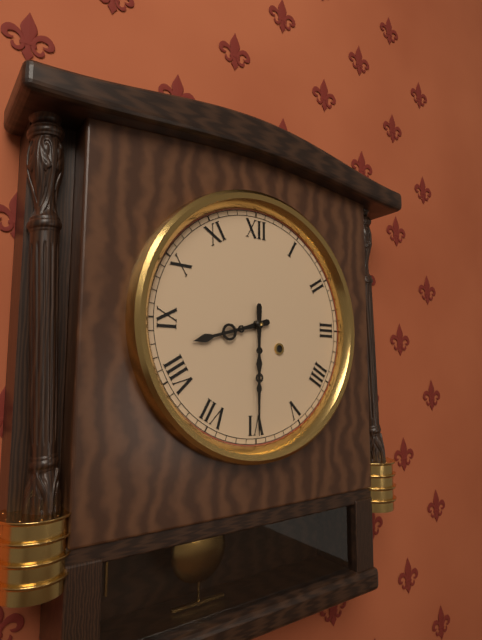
{"hour": 8, "minute": 30}
